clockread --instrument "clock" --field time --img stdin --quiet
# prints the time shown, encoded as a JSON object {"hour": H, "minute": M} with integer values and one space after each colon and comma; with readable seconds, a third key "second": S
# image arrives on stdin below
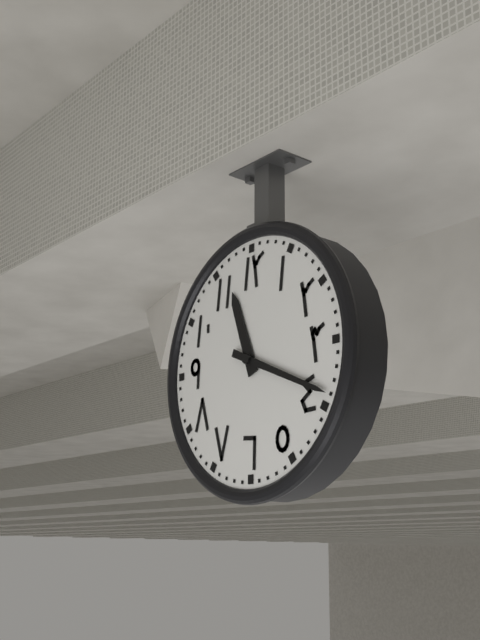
{"hour": 11, "minute": 19}
